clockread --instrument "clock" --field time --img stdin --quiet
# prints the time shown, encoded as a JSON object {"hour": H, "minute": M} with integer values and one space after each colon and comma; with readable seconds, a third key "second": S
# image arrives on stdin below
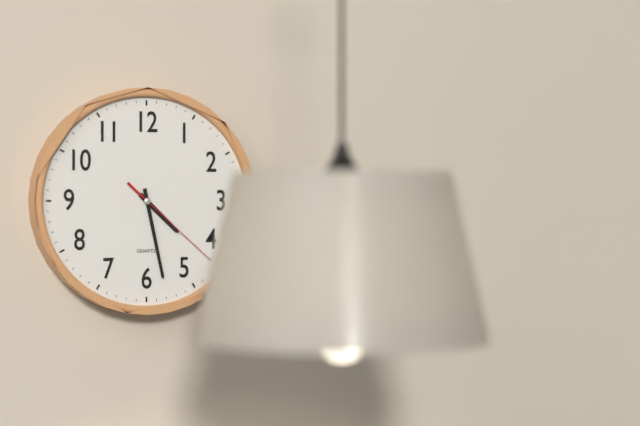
{"hour": 4, "minute": 28, "second": 22}
